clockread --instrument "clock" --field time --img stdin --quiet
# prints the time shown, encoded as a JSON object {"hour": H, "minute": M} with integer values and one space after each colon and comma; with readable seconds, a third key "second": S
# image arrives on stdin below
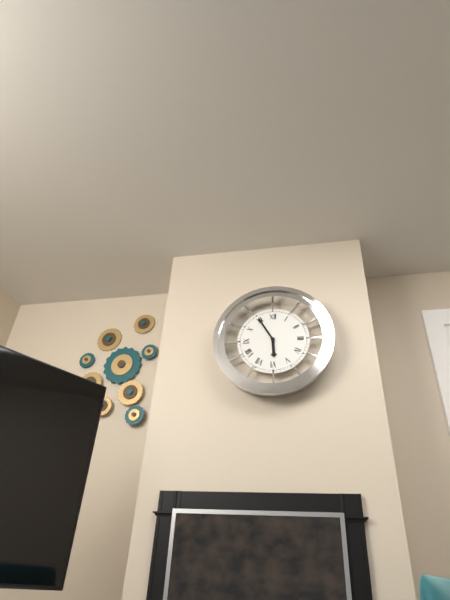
{"hour": 5, "minute": 55}
